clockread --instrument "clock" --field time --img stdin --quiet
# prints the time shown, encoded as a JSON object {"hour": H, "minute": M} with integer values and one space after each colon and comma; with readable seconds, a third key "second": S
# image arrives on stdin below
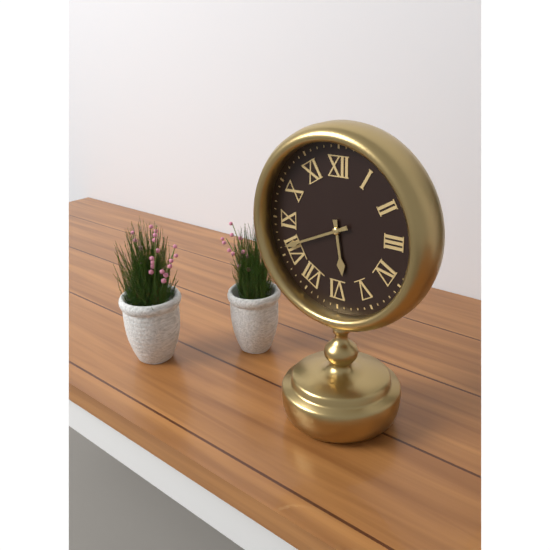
{"hour": 5, "minute": 41}
